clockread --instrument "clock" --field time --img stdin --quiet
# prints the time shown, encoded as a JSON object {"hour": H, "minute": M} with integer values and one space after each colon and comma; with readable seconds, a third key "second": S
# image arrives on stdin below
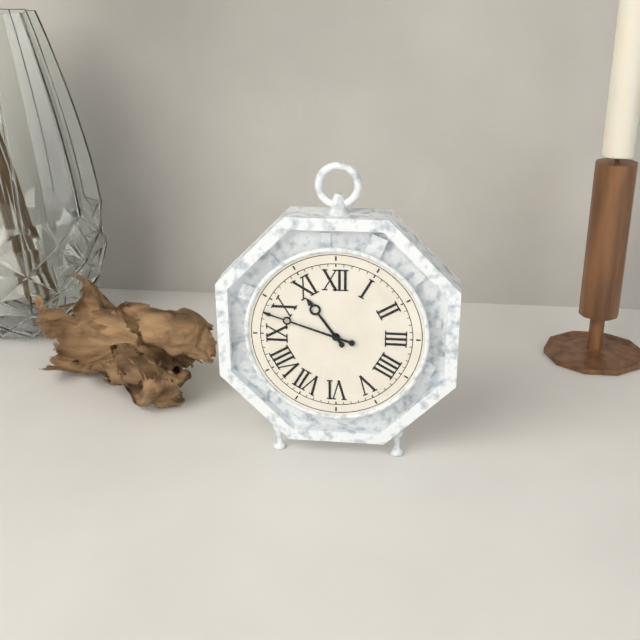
{"hour": 10, "minute": 48}
